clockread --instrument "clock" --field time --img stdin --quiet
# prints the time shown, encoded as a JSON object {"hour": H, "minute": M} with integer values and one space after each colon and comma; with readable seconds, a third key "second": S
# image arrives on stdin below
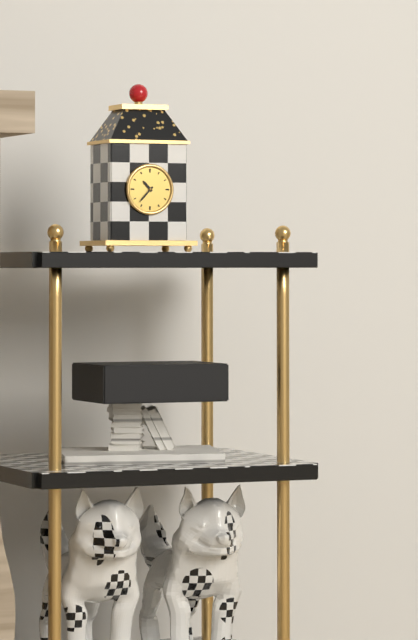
{"hour": 10, "minute": 37}
